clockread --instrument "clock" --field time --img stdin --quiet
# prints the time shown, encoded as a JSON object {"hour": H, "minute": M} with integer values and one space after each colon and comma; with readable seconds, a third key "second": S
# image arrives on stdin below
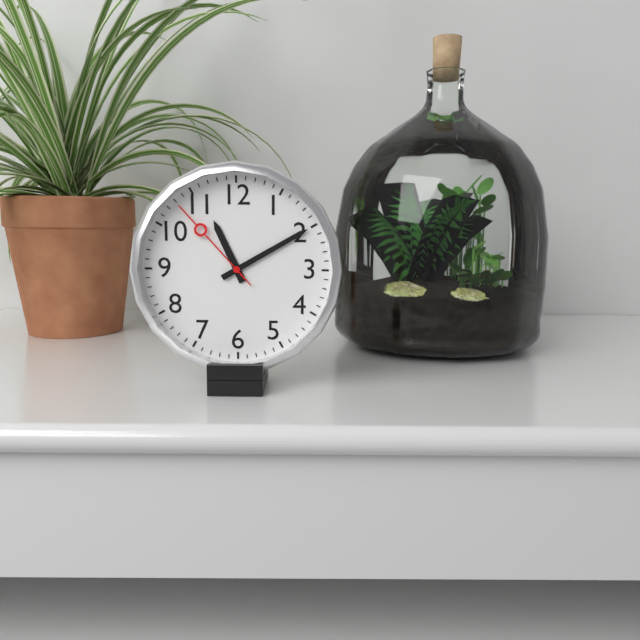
{"hour": 11, "minute": 10, "second": 53}
